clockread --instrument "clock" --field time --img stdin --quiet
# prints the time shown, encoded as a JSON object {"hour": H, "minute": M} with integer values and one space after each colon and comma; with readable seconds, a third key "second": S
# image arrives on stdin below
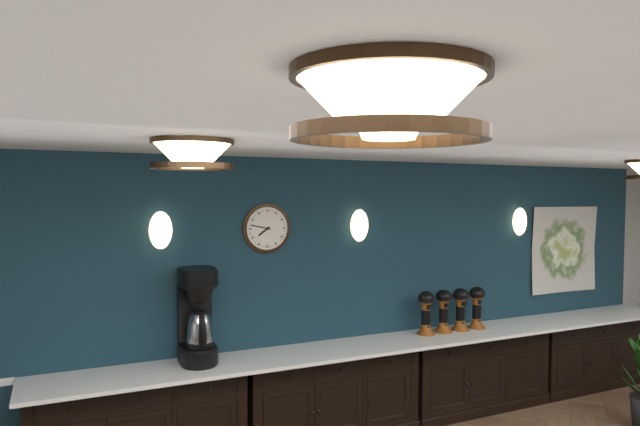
{"hour": 7, "minute": 47}
